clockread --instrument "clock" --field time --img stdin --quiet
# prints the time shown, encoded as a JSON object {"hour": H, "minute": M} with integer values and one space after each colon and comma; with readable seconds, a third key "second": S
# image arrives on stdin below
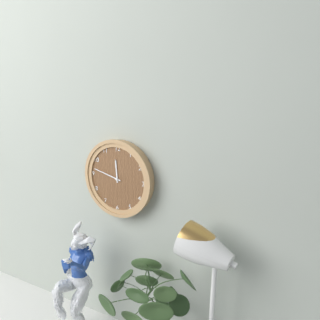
{"hour": 11, "minute": 47}
